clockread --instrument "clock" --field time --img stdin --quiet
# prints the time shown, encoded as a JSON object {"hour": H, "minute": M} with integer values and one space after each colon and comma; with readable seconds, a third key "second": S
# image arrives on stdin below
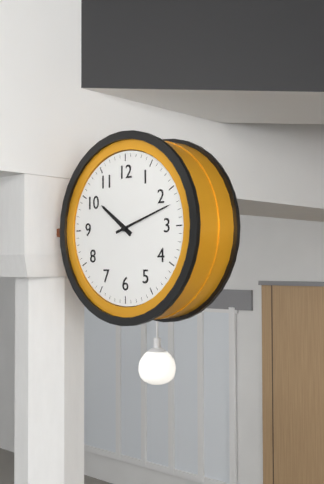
{"hour": 10, "minute": 12}
